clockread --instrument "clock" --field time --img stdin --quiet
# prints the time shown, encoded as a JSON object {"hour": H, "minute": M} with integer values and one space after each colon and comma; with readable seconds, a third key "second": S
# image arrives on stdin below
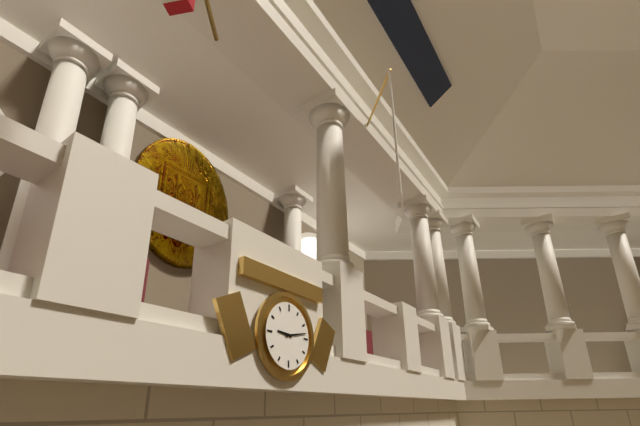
{"hour": 9, "minute": 13}
